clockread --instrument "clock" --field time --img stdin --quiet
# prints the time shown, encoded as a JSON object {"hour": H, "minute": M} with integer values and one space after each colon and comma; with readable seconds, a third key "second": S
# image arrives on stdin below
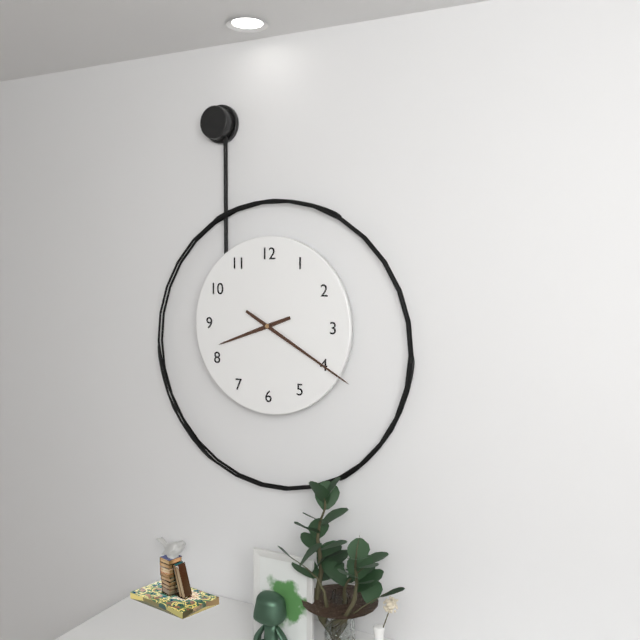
{"hour": 8, "minute": 20}
